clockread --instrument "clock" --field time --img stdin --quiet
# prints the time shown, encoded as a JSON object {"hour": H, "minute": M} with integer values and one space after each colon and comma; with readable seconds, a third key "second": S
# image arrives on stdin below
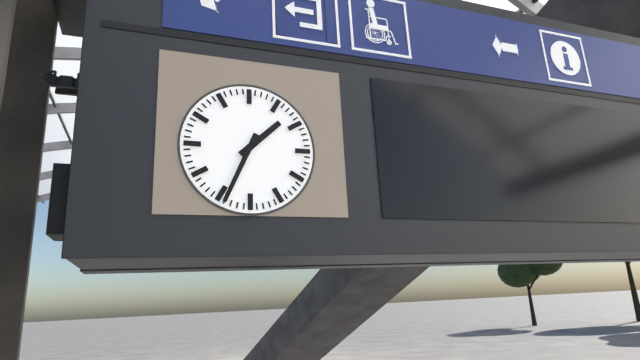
{"hour": 1, "minute": 34}
